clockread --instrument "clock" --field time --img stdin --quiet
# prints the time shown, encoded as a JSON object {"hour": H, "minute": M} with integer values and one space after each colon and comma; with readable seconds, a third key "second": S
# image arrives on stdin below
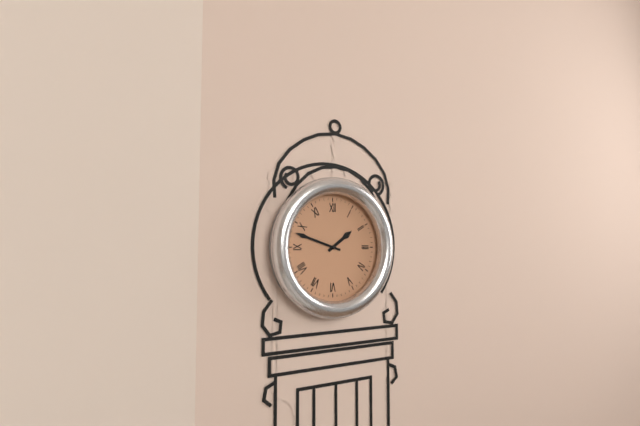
{"hour": 1, "minute": 48}
